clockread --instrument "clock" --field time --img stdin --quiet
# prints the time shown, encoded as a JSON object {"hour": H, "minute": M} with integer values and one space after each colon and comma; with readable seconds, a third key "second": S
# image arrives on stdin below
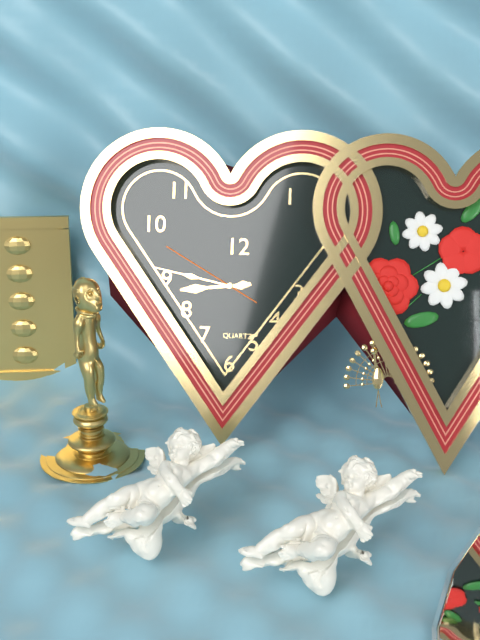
{"hour": 8, "minute": 47, "second": 50}
